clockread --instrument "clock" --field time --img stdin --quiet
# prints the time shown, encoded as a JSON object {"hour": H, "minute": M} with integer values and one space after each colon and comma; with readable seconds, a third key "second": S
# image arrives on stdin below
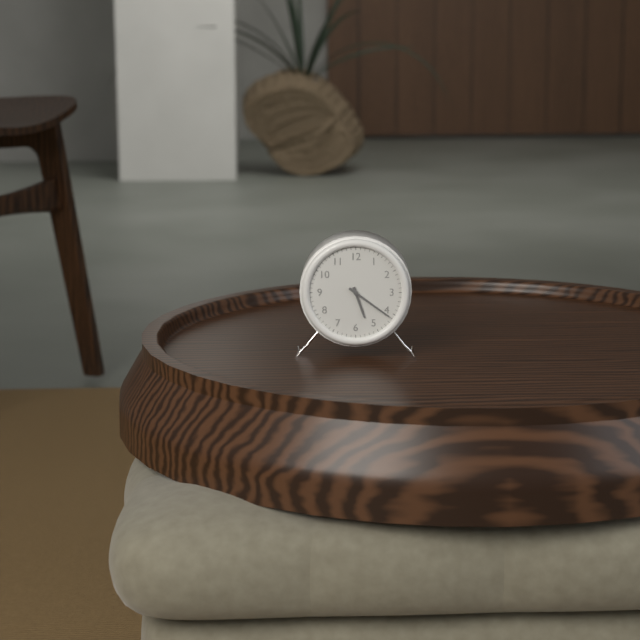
{"hour": 5, "minute": 21}
